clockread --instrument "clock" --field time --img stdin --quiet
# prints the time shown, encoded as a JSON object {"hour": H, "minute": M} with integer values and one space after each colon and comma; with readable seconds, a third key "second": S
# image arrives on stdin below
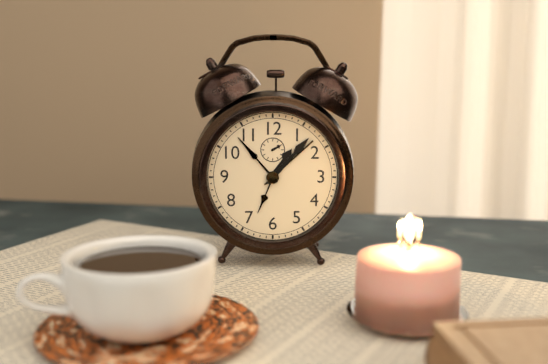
{"hour": 1, "minute": 7}
